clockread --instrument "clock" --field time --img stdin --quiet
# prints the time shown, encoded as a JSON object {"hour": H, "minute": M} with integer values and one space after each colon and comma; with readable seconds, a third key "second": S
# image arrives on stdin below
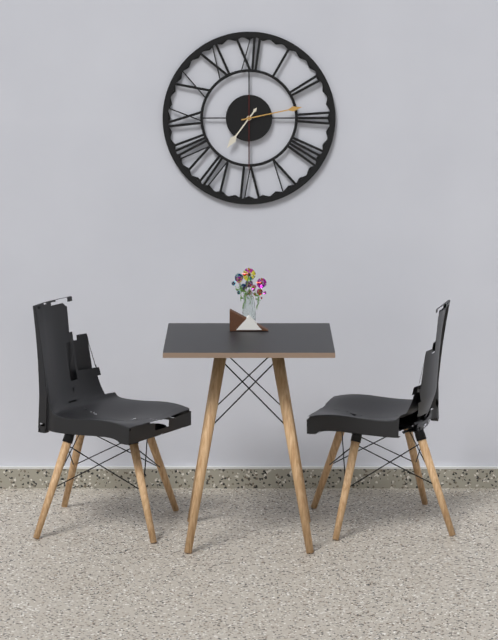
{"hour": 7, "minute": 13, "second": 30}
